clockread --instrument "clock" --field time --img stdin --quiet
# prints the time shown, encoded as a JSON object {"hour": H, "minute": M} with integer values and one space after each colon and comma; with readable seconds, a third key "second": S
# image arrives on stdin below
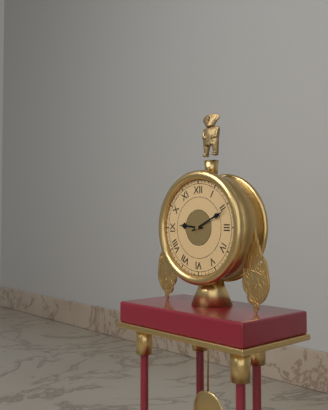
{"hour": 9, "minute": 11}
